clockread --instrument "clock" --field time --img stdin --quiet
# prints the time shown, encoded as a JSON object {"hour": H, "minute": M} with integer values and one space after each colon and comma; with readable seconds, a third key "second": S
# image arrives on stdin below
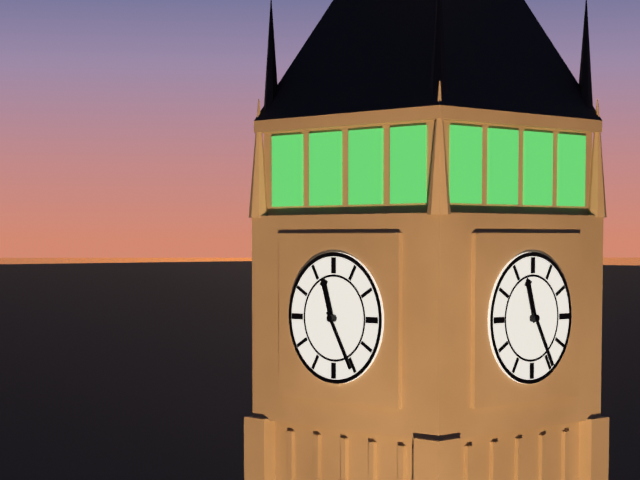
{"hour": 11, "minute": 25}
